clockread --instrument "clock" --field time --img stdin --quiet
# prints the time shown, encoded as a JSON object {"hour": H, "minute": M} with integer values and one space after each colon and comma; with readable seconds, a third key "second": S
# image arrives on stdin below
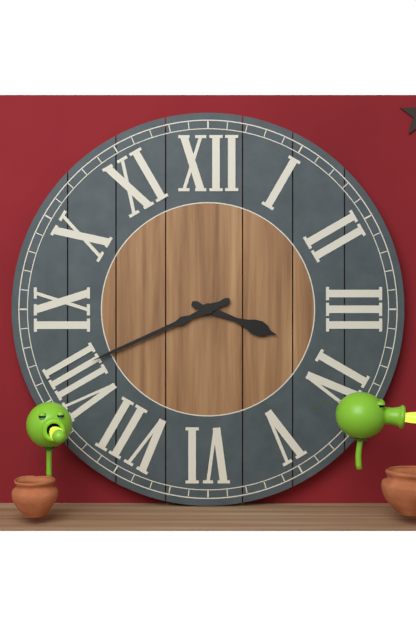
{"hour": 3, "minute": 41}
